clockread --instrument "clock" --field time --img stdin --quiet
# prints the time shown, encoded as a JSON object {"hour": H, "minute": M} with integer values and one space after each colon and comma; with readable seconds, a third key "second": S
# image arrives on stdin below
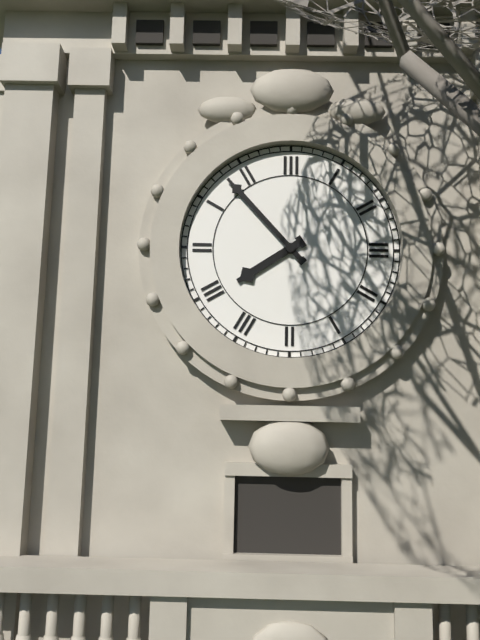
{"hour": 7, "minute": 53}
